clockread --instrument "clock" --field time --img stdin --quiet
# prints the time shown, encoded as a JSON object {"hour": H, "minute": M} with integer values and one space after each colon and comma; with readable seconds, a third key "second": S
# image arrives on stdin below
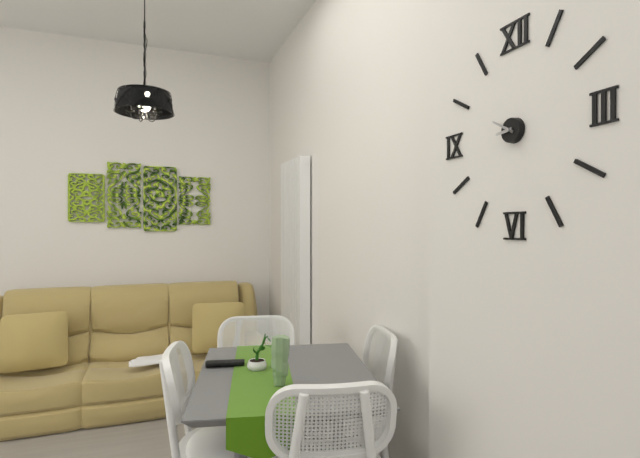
{"hour": 8, "minute": 50}
